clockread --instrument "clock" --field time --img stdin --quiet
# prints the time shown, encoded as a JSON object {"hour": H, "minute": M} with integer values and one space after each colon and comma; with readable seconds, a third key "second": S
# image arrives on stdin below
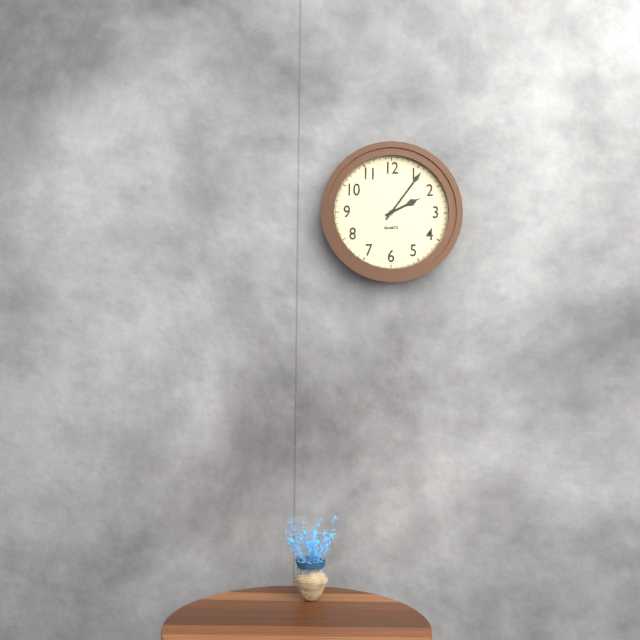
{"hour": 2, "minute": 6}
